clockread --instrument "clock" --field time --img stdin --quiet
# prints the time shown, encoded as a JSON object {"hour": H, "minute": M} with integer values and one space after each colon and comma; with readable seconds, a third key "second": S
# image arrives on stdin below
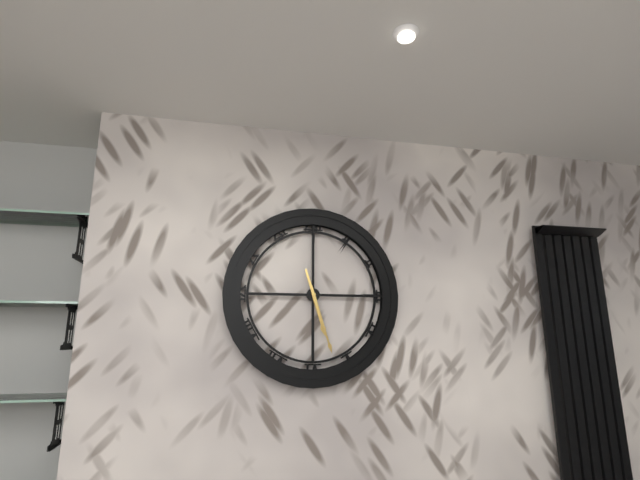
{"hour": 5, "minute": 27}
